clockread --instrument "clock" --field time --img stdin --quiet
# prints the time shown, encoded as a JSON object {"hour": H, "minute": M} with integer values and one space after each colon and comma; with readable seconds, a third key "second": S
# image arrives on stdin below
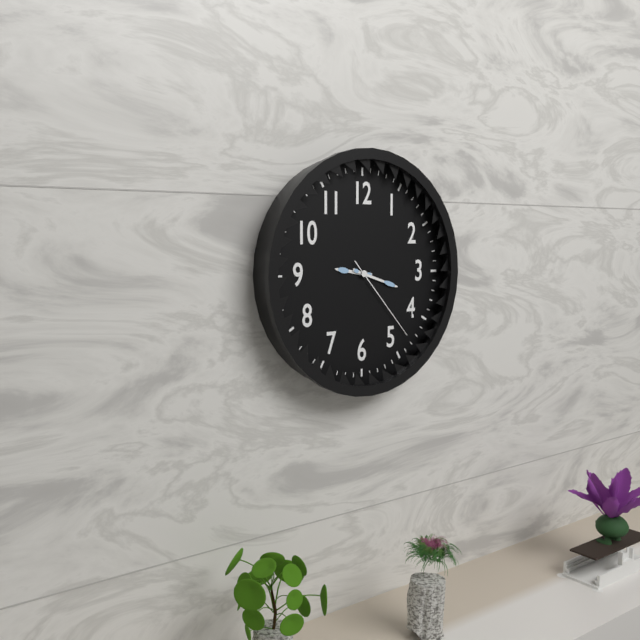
{"hour": 9, "minute": 18, "second": 23}
